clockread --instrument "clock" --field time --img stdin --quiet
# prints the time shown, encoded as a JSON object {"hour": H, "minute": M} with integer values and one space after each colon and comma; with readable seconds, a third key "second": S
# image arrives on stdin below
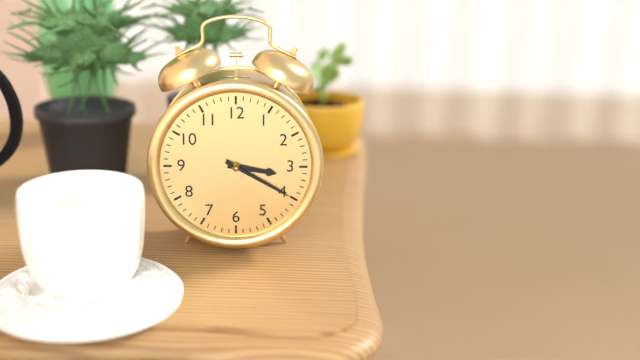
{"hour": 3, "minute": 20}
